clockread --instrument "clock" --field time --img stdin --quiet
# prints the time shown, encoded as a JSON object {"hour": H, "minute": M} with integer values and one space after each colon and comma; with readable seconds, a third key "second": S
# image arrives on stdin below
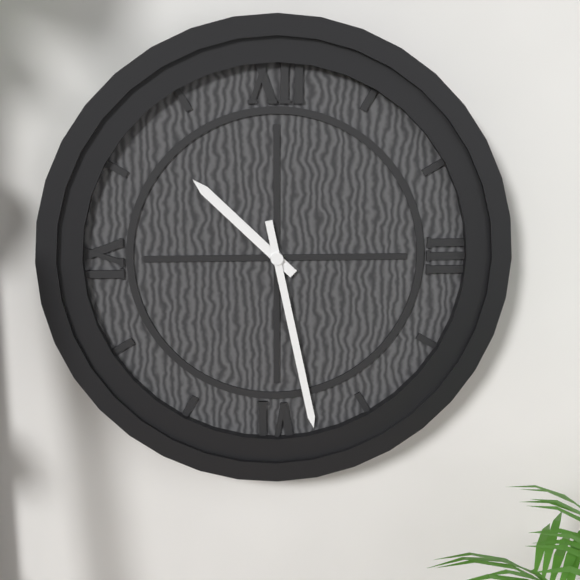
{"hour": 10, "minute": 28}
